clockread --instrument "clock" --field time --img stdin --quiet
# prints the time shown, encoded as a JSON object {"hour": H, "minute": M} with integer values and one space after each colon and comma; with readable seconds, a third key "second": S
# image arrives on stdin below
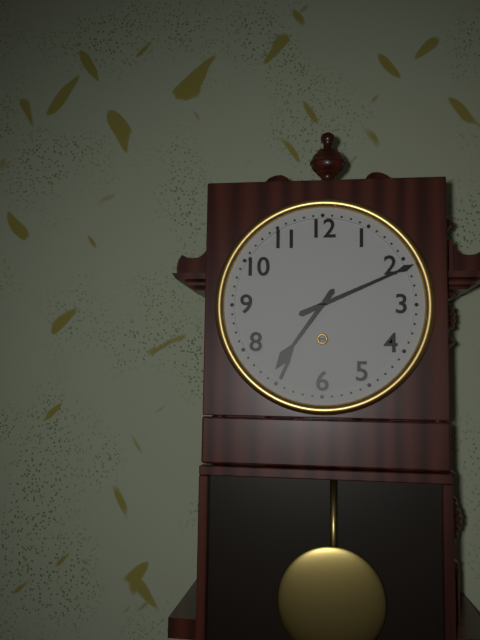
{"hour": 7, "minute": 11}
